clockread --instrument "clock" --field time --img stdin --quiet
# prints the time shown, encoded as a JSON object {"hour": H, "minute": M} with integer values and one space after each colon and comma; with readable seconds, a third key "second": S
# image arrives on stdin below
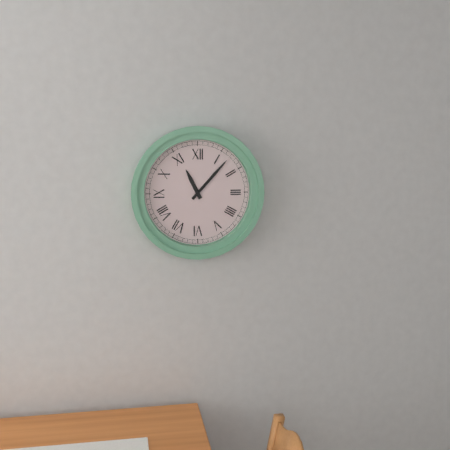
{"hour": 11, "minute": 7}
